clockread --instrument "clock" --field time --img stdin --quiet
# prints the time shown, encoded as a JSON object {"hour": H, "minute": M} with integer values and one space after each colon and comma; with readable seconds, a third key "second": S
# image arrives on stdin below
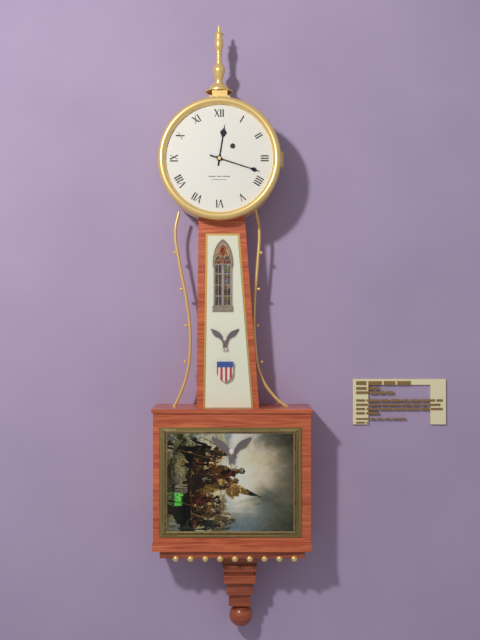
{"hour": 12, "minute": 18}
